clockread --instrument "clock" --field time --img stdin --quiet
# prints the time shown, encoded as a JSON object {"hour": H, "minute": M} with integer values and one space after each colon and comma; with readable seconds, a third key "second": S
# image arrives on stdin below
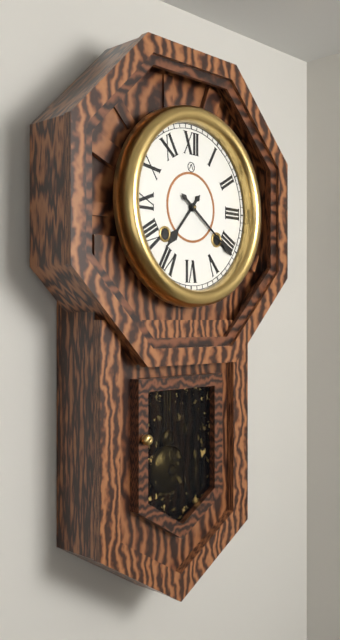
{"hour": 7, "minute": 21}
